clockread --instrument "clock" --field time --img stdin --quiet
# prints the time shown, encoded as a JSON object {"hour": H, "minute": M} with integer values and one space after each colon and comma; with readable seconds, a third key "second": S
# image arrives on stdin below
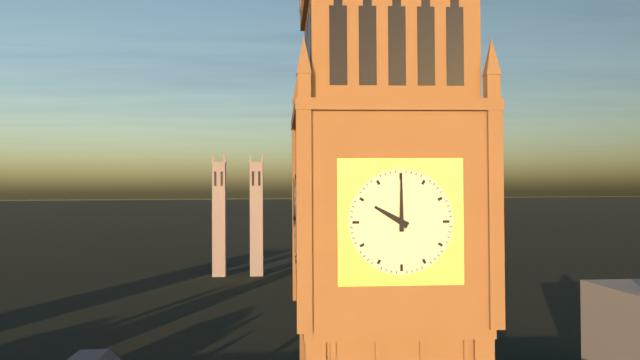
{"hour": 10, "minute": 0}
